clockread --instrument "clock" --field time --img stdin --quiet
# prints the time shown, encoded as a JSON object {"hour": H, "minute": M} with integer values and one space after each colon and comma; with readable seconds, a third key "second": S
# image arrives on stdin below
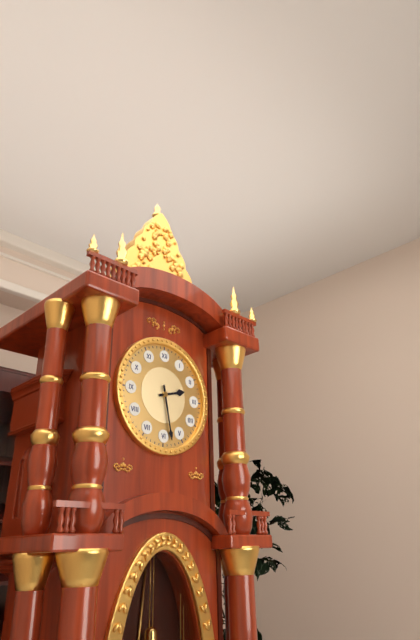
{"hour": 2, "minute": 28}
